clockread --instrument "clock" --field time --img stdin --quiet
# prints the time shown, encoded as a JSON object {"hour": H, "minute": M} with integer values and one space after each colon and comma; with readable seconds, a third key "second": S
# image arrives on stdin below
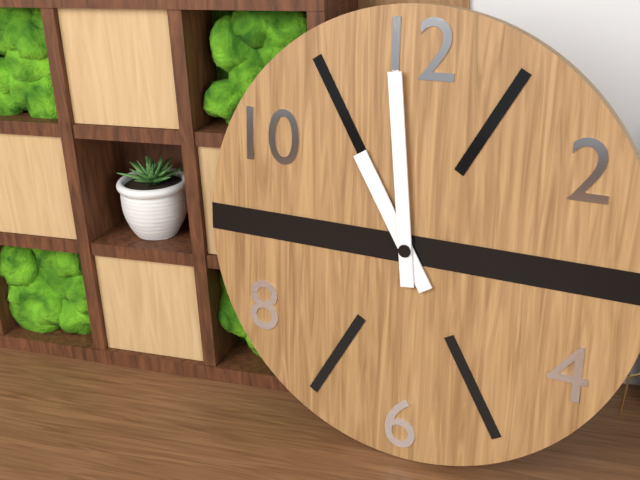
{"hour": 10, "minute": 59}
